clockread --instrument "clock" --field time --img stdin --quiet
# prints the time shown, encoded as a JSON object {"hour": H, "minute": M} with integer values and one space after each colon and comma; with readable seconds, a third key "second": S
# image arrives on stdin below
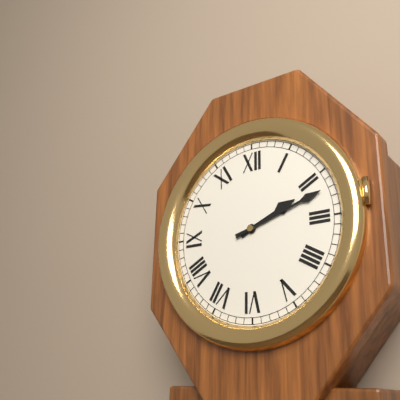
{"hour": 2, "minute": 12}
